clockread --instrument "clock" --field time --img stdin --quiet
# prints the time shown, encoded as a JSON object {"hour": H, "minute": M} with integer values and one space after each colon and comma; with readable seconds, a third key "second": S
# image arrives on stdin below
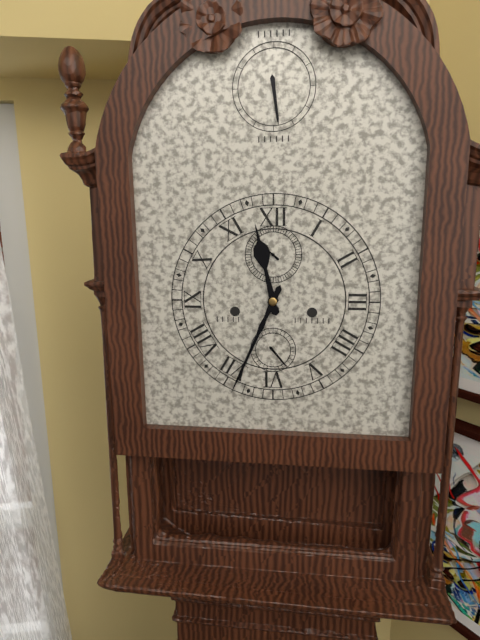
{"hour": 11, "minute": 34}
